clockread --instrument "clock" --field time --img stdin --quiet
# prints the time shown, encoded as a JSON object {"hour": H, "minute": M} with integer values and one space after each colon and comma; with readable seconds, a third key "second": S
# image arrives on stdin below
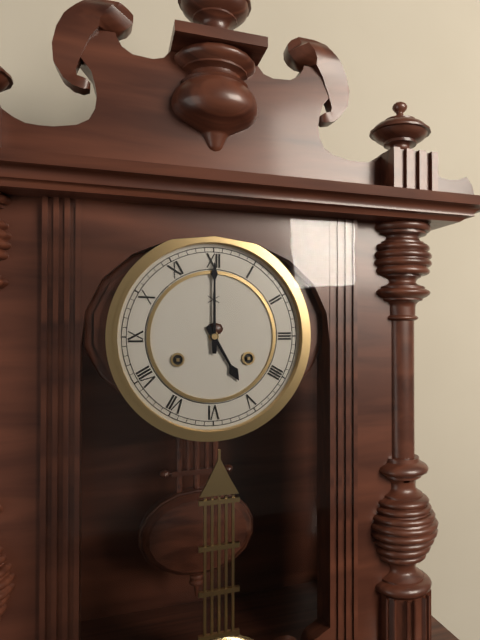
{"hour": 5, "minute": 0}
